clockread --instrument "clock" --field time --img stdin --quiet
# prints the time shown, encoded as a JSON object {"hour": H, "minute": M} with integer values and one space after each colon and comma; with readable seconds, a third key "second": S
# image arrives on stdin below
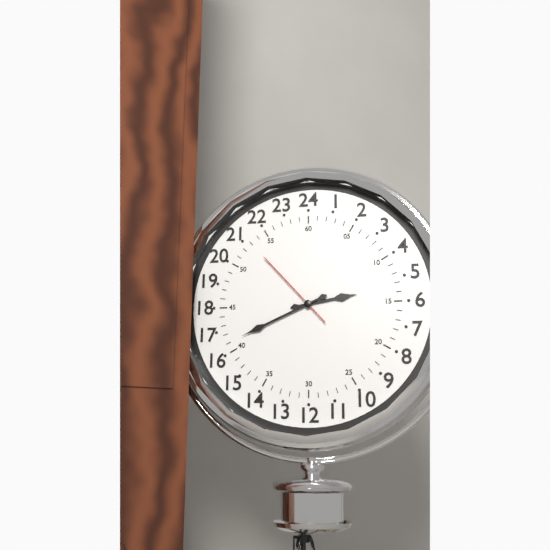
{"hour": 2, "minute": 41, "second": 53}
